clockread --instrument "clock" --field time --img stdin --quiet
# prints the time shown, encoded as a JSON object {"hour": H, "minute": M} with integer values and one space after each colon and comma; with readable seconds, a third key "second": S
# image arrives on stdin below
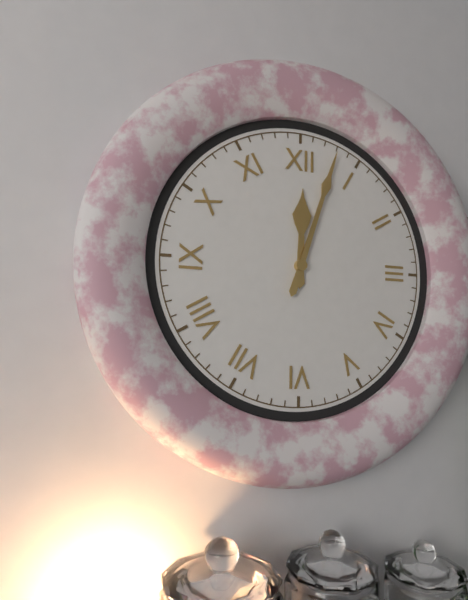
{"hour": 12, "minute": 3}
